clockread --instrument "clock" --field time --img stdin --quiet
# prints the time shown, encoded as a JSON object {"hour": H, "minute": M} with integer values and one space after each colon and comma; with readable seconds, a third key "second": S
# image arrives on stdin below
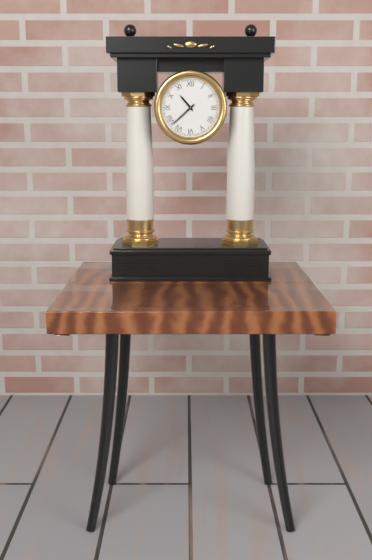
{"hour": 10, "minute": 38}
